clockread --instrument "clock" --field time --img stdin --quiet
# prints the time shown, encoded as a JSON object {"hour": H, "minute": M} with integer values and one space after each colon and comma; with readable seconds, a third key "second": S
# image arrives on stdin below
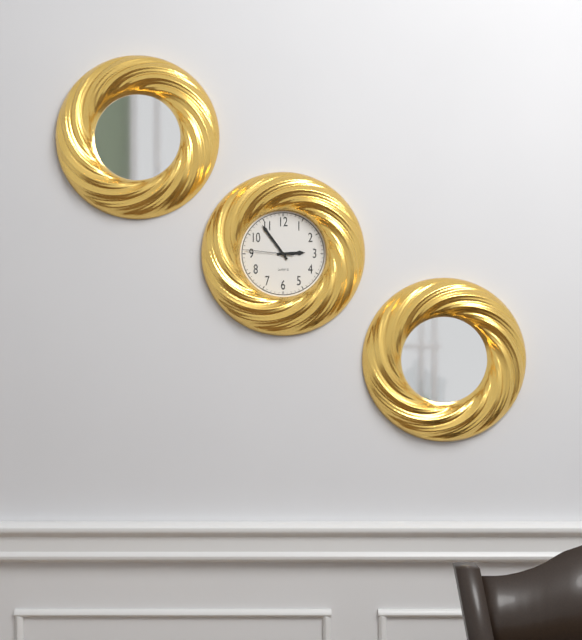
{"hour": 2, "minute": 54}
